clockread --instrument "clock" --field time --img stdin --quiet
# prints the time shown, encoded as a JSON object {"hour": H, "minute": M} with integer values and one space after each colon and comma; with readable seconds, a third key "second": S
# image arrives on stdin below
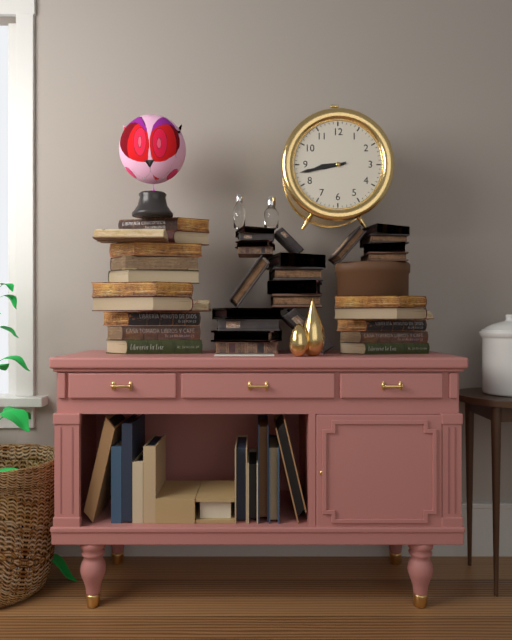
{"hour": 8, "minute": 43}
